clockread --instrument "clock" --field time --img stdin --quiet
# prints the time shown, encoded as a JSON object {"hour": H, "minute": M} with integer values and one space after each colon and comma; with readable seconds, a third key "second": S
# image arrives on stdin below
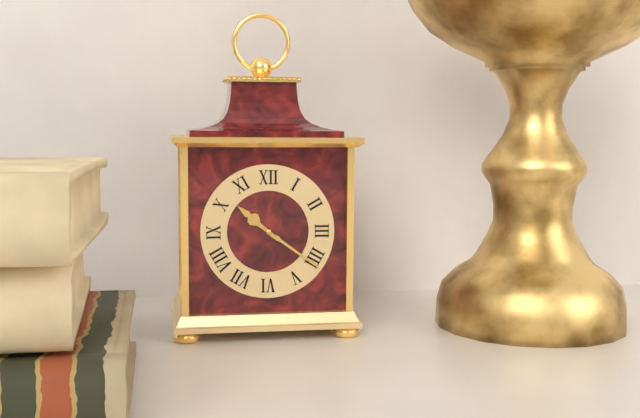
{"hour": 10, "minute": 21}
